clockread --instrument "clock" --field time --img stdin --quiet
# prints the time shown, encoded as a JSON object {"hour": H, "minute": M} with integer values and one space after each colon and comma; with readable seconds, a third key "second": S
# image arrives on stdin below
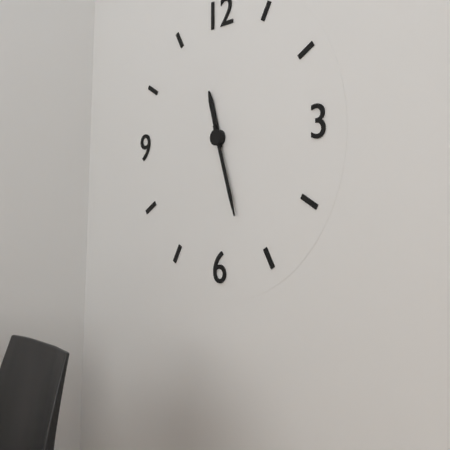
{"hour": 11, "minute": 27}
